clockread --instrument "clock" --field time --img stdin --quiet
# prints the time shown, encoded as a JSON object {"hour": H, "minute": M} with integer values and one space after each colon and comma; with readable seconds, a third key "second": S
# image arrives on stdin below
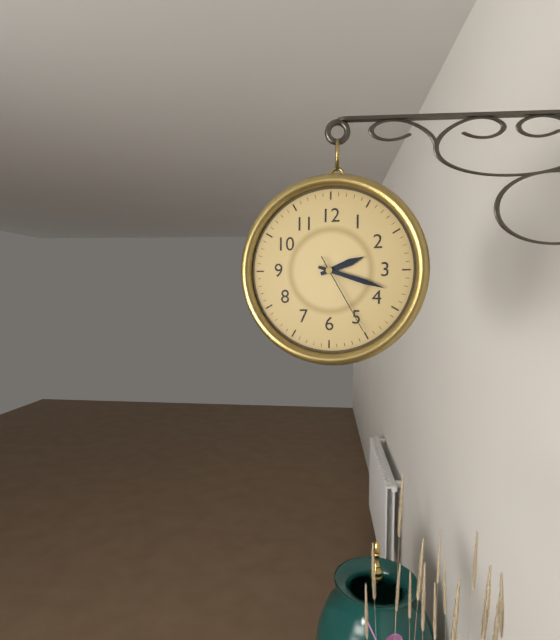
{"hour": 2, "minute": 18, "second": 25}
